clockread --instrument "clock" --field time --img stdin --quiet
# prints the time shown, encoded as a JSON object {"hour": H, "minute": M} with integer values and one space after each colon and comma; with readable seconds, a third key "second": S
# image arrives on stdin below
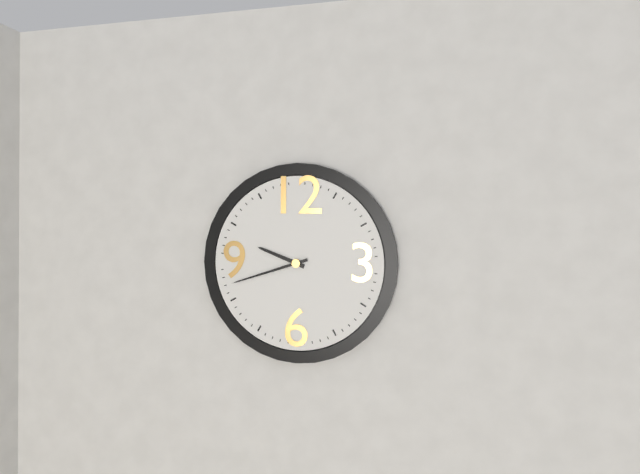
{"hour": 9, "minute": 42}
